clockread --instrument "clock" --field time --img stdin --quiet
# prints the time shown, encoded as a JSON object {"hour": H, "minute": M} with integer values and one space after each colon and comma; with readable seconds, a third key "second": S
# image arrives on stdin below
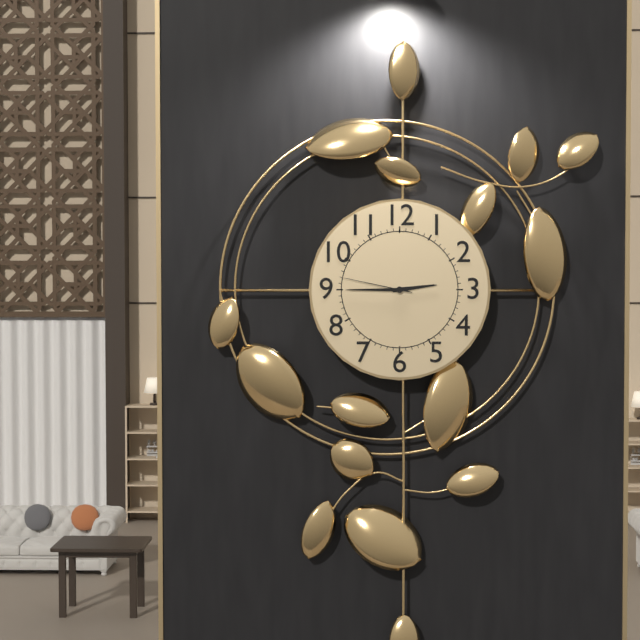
{"hour": 2, "minute": 45, "second": 47}
